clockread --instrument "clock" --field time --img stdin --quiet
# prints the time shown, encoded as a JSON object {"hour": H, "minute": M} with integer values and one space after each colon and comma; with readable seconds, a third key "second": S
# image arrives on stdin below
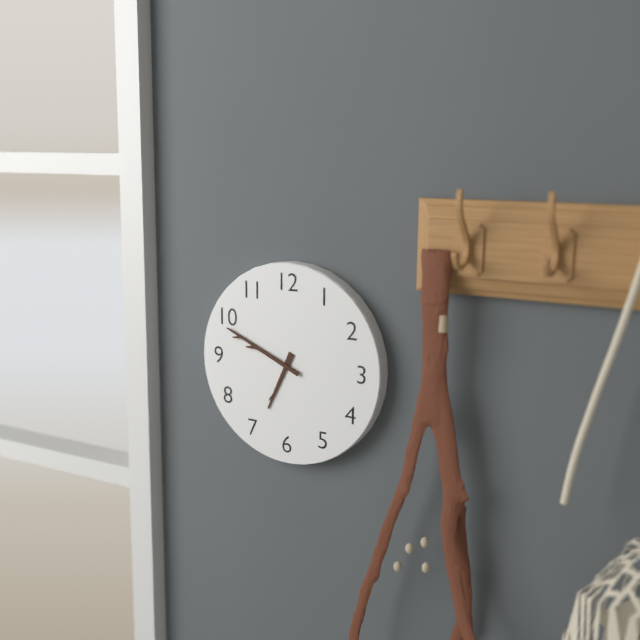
{"hour": 6, "minute": 49}
